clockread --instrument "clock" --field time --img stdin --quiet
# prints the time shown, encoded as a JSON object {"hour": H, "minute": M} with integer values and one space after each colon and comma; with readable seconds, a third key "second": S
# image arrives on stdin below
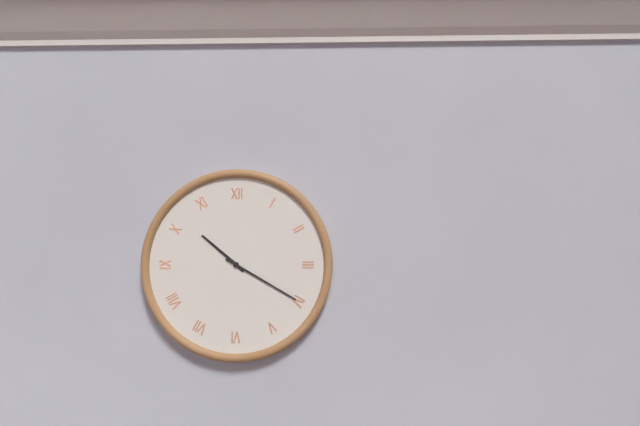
{"hour": 10, "minute": 20}
